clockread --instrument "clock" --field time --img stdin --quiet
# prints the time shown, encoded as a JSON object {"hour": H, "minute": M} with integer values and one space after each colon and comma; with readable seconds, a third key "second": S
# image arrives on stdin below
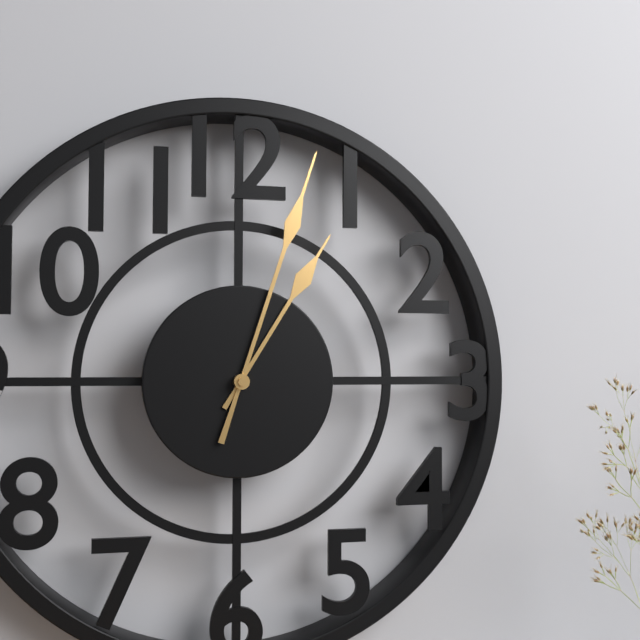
{"hour": 1, "minute": 3}
